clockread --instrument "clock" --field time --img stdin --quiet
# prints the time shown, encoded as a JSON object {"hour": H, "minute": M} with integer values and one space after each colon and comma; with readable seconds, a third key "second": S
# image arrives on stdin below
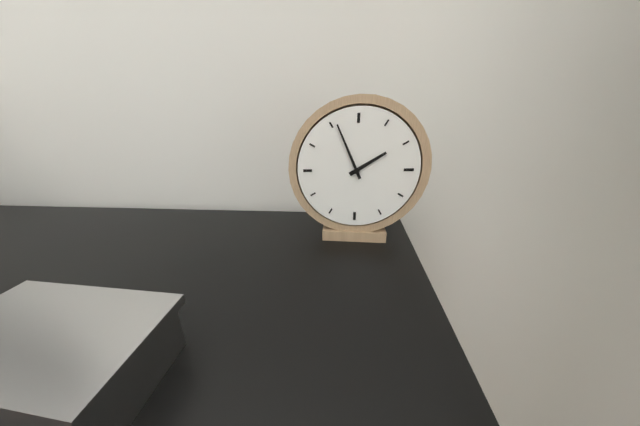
{"hour": 1, "minute": 56}
